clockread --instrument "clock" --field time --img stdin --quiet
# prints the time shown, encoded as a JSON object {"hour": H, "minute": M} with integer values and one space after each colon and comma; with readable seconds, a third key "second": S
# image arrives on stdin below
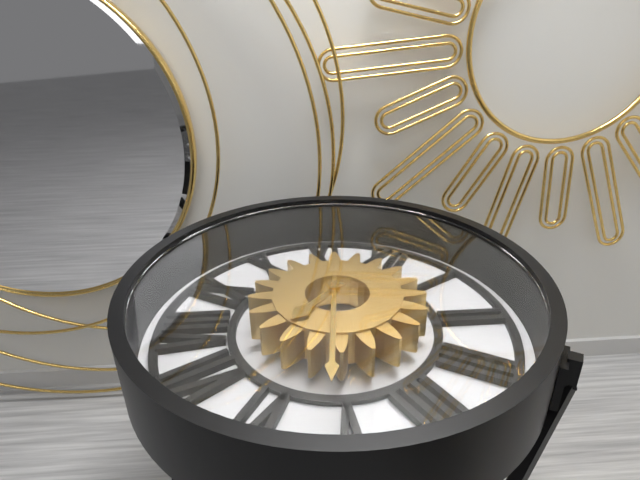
{"hour": 6, "minute": 26}
